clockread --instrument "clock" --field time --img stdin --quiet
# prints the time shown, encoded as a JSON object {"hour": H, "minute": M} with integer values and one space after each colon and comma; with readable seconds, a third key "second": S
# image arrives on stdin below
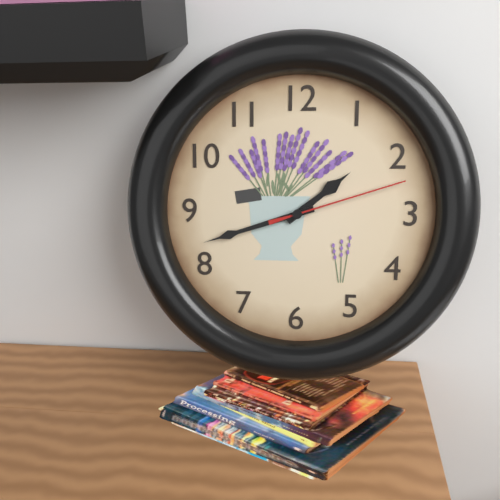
{"hour": 1, "minute": 42, "second": 12}
